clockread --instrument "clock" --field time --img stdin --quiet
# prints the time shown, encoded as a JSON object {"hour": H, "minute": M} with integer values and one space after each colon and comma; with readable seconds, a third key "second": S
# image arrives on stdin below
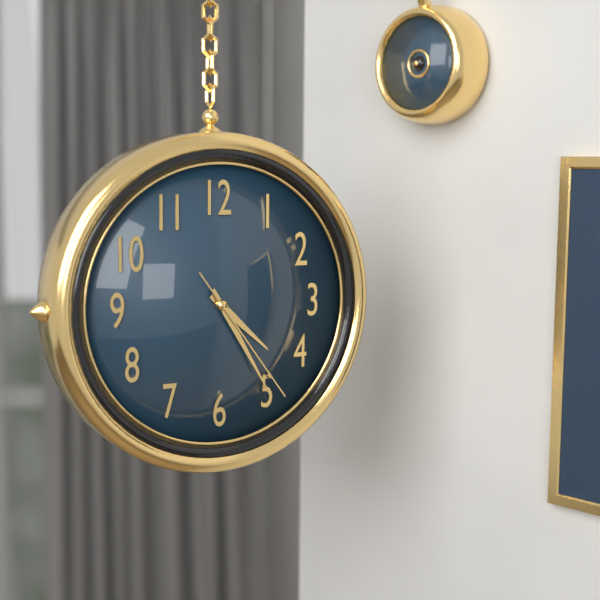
{"hour": 4, "minute": 25, "second": 24}
